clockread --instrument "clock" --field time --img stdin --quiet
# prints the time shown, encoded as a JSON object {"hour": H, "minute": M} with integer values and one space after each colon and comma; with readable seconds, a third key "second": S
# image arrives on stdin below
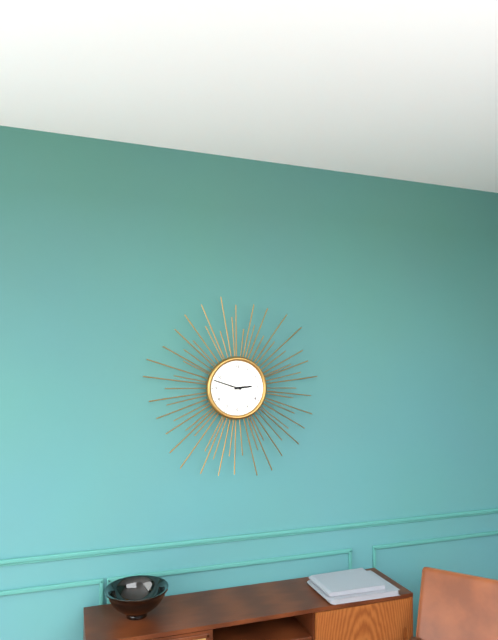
{"hour": 2, "minute": 48}
